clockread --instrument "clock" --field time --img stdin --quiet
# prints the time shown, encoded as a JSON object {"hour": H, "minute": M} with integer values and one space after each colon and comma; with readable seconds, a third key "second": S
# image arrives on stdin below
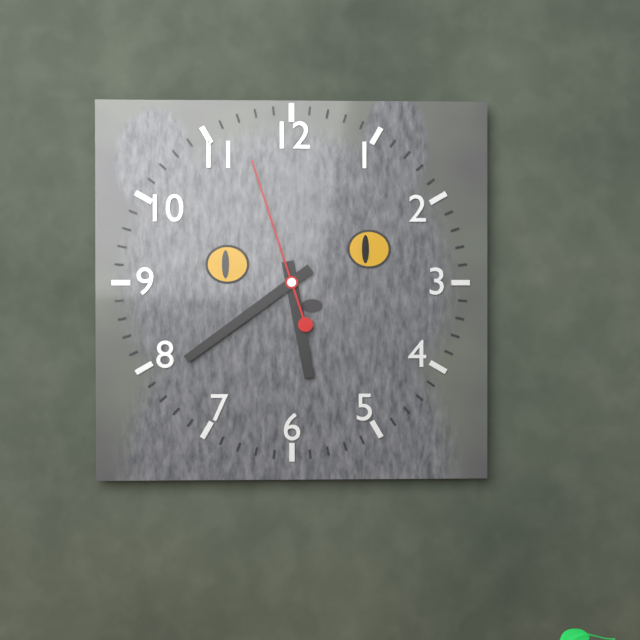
{"hour": 5, "minute": 39, "second": 57}
